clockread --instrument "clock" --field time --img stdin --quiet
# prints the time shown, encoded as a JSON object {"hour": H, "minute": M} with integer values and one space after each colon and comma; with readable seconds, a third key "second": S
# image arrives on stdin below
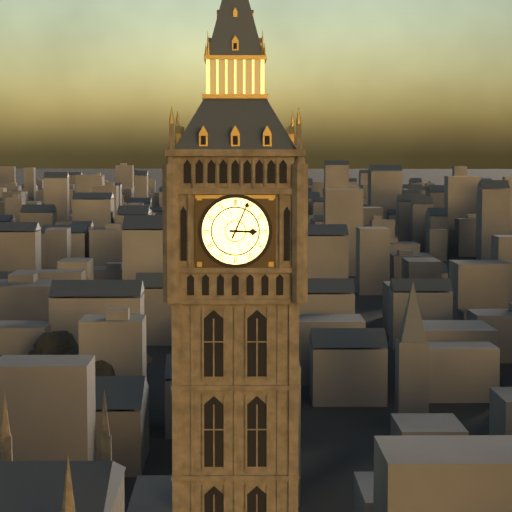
{"hour": 3, "minute": 4}
